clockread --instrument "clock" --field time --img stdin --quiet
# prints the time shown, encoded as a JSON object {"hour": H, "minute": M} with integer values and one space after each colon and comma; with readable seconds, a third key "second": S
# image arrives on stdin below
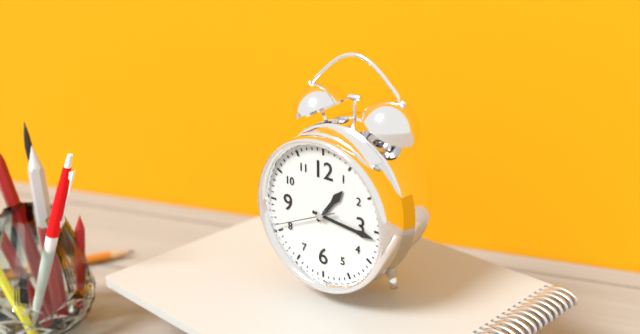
{"hour": 1, "minute": 16, "second": 41}
